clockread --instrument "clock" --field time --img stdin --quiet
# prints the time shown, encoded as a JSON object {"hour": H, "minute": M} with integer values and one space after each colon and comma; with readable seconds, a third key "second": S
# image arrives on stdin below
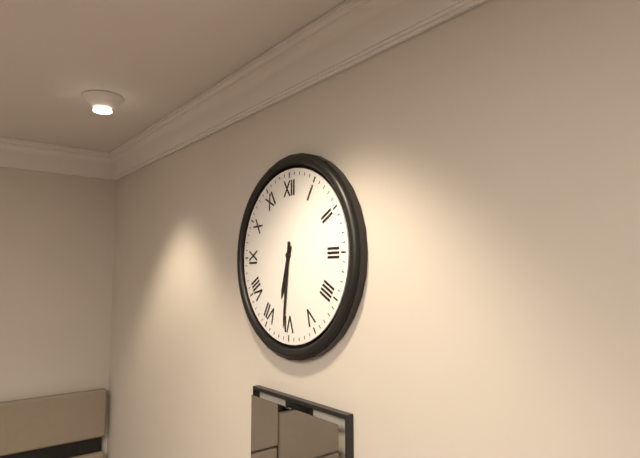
{"hour": 6, "minute": 31}
